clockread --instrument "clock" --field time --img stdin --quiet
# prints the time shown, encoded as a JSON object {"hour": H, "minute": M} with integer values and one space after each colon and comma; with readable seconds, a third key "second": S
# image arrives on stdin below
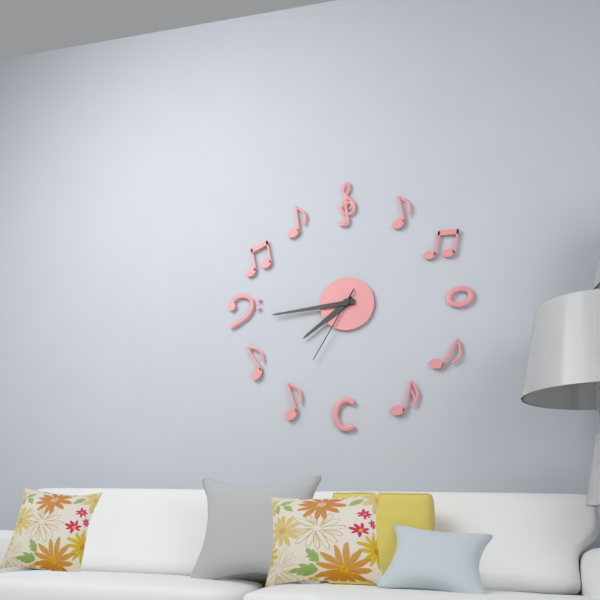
{"hour": 7, "minute": 44, "second": 35}
